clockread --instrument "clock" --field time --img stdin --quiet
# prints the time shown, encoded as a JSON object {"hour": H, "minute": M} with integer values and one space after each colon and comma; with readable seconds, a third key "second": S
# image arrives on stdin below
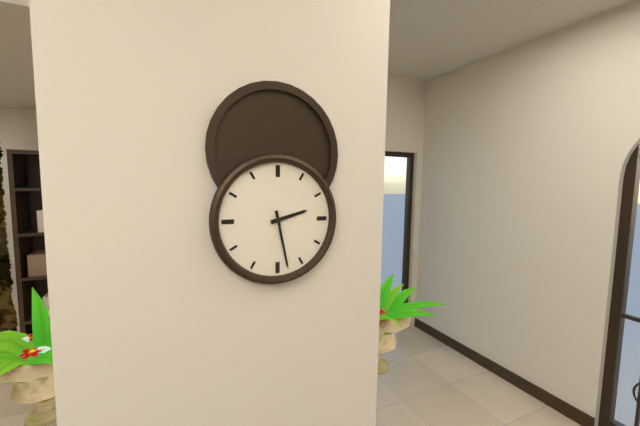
{"hour": 2, "minute": 28}
